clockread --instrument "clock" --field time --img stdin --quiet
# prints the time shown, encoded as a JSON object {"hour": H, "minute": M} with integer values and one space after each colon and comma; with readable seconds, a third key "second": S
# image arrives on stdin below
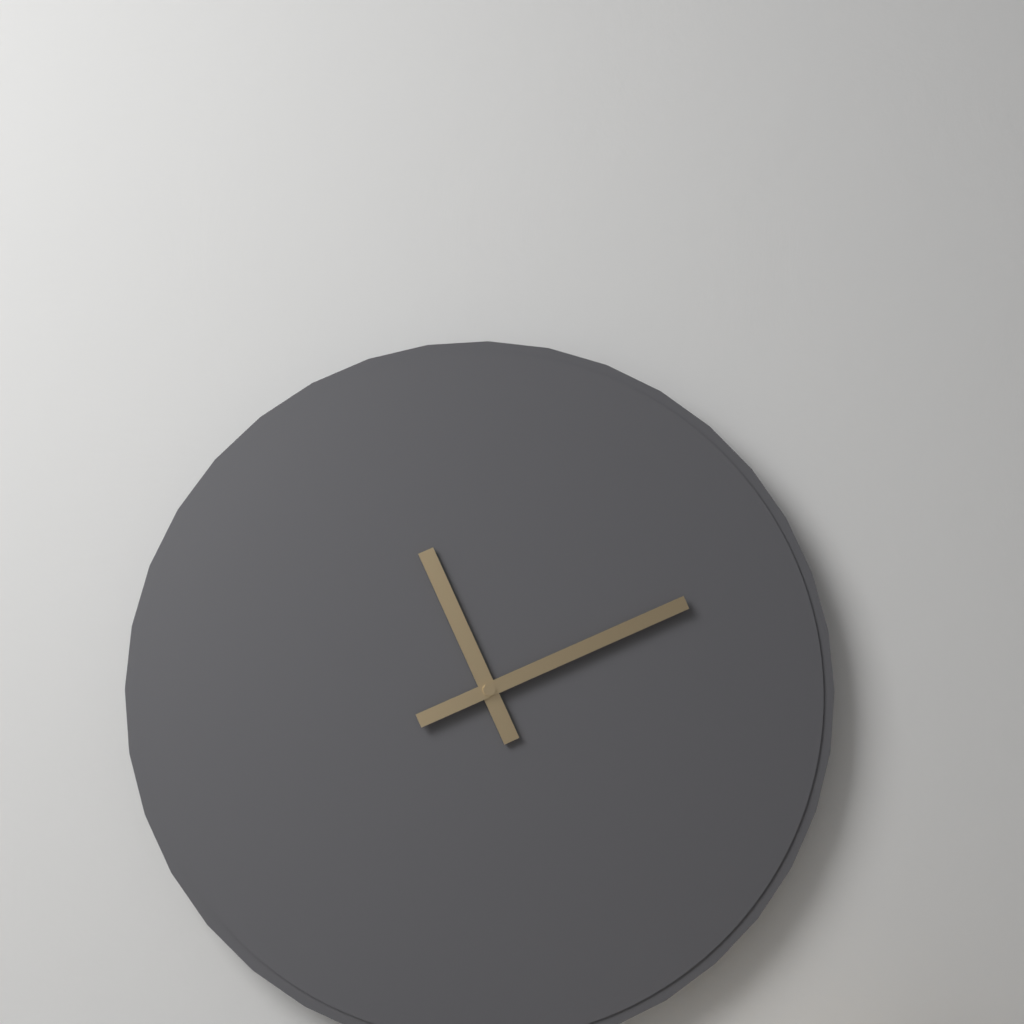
{"hour": 11, "minute": 11}
